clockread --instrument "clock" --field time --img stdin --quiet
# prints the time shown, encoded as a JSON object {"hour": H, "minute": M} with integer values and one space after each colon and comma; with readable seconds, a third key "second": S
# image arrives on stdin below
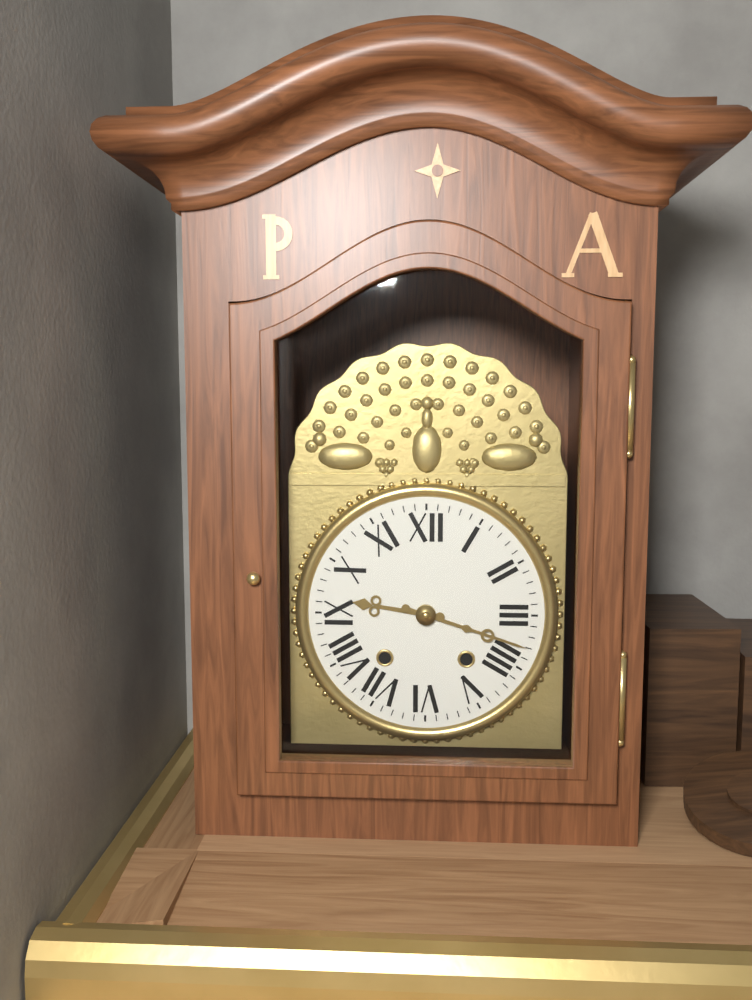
{"hour": 9, "minute": 18}
